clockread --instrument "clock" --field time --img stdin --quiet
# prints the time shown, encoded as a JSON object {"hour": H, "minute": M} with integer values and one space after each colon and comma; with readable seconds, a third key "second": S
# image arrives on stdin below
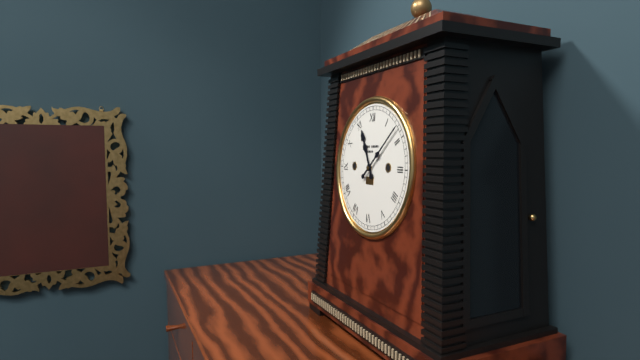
{"hour": 11, "minute": 8}
